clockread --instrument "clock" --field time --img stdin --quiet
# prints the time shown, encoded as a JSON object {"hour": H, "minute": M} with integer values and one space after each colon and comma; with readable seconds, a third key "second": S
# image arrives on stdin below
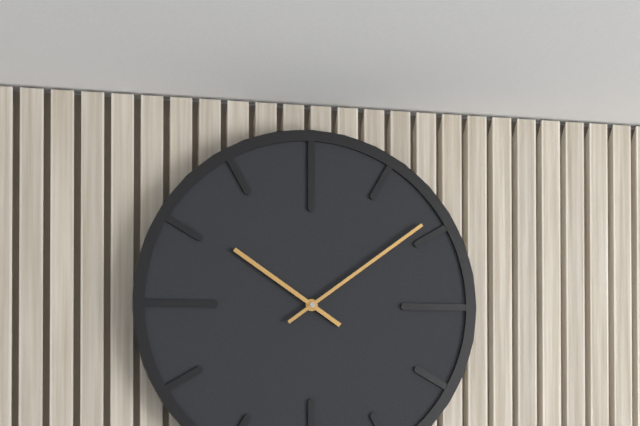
{"hour": 10, "minute": 9}
